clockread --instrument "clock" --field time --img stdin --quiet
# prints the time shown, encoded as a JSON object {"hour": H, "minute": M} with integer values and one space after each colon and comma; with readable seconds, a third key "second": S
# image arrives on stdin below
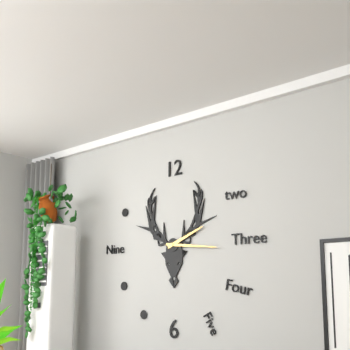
{"hour": 2, "minute": 16}
